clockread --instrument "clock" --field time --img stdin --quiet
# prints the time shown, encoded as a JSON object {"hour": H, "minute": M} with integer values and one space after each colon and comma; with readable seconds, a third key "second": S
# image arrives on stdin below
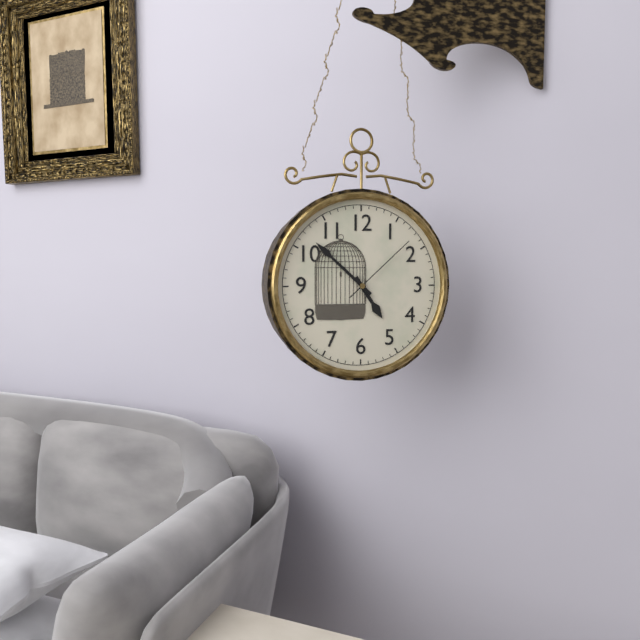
{"hour": 4, "minute": 52, "second": 8}
